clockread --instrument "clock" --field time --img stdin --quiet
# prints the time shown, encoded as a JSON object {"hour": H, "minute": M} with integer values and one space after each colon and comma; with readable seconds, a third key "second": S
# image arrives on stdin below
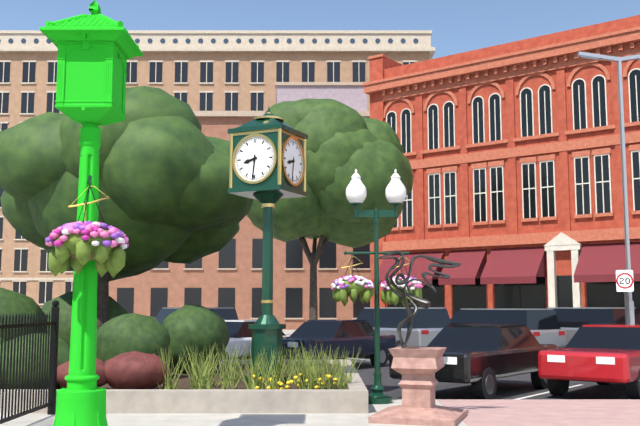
{"hour": 8, "minute": 31}
